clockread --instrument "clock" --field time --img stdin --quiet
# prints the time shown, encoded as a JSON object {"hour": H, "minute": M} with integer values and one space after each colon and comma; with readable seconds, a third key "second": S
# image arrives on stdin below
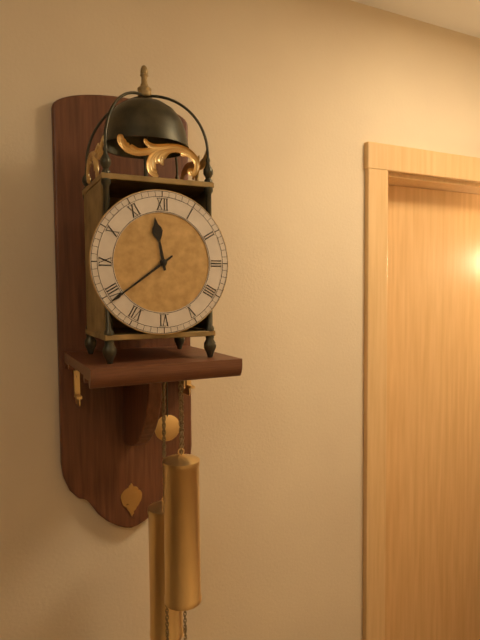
{"hour": 11, "minute": 39}
